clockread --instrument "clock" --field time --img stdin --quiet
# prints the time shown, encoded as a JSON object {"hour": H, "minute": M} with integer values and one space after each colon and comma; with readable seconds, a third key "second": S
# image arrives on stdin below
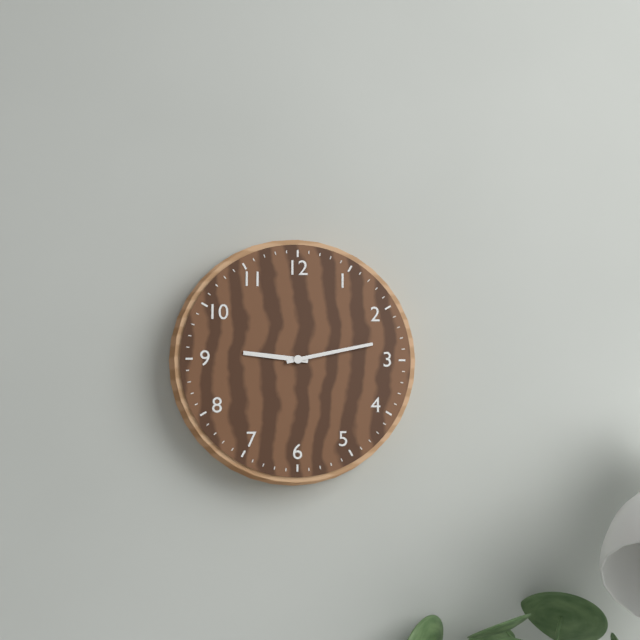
{"hour": 9, "minute": 13}
